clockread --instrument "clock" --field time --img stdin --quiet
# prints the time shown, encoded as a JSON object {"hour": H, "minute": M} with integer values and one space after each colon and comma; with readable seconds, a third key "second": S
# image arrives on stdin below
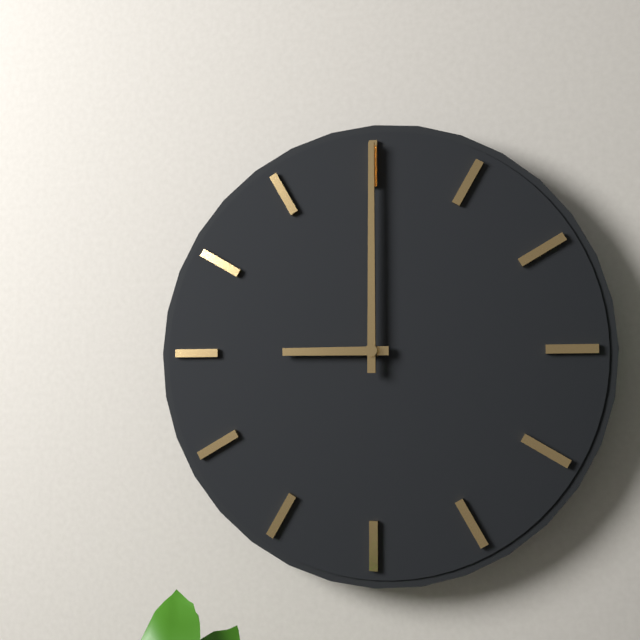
{"hour": 9, "minute": 0}
